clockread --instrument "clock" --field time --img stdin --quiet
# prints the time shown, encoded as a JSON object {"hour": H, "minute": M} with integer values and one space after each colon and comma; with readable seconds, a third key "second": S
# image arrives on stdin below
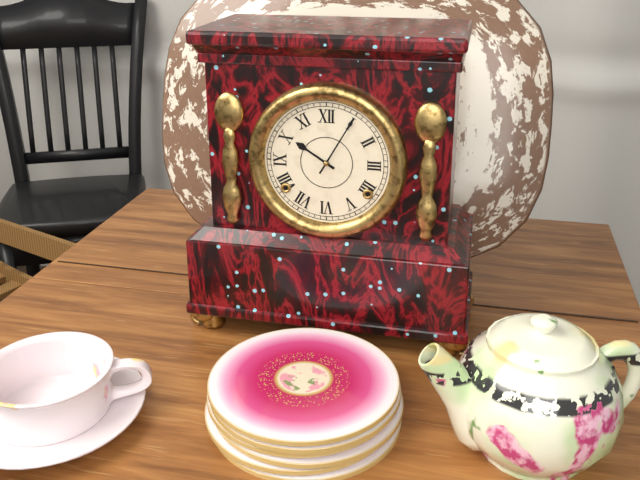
{"hour": 10, "minute": 5}
